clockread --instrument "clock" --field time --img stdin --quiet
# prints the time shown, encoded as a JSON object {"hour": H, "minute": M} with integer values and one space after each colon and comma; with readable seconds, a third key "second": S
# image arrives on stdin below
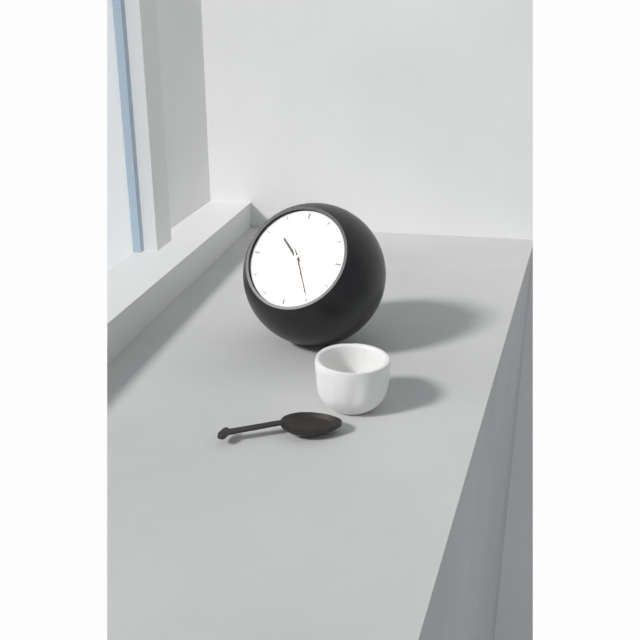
{"hour": 10, "minute": 25}
